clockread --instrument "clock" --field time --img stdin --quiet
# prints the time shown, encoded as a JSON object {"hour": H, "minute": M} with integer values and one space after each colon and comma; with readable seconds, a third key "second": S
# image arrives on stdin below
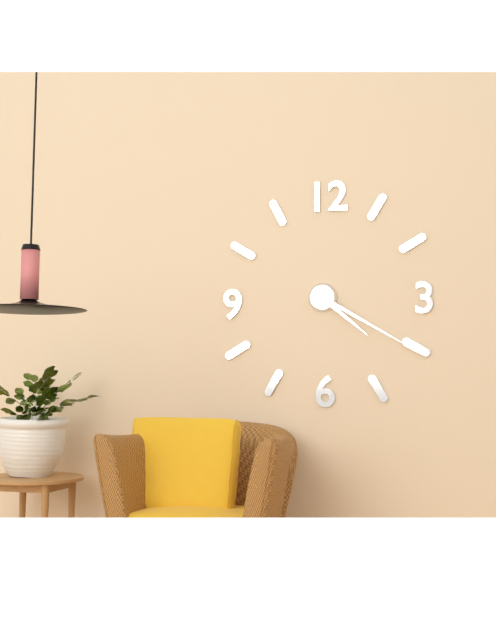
{"hour": 4, "minute": 20}
